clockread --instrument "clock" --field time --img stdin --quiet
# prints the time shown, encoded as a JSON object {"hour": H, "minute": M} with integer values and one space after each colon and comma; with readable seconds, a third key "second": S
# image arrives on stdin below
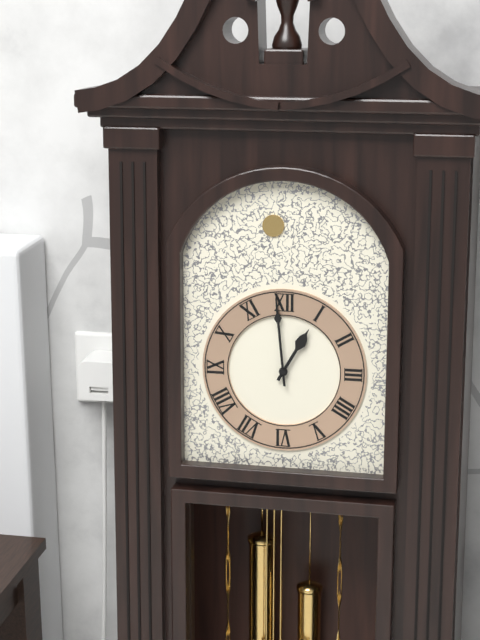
{"hour": 12, "minute": 59}
